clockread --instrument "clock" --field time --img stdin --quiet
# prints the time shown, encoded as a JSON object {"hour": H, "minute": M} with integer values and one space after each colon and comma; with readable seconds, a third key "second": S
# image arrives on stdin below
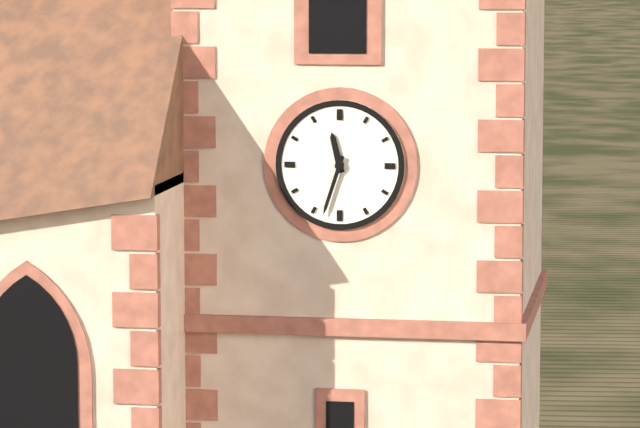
{"hour": 11, "minute": 33}
